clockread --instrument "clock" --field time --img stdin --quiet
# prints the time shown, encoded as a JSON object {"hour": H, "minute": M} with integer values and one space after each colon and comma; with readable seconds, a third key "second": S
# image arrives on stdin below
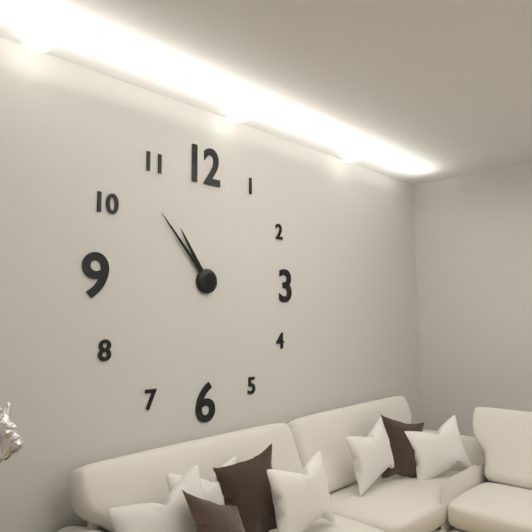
{"hour": 10, "minute": 53}
